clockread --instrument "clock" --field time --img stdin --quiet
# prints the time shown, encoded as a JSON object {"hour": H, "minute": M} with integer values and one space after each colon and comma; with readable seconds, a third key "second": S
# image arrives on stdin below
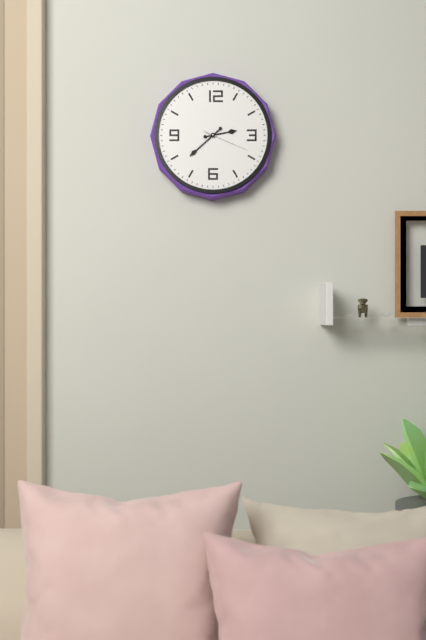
{"hour": 2, "minute": 38}
